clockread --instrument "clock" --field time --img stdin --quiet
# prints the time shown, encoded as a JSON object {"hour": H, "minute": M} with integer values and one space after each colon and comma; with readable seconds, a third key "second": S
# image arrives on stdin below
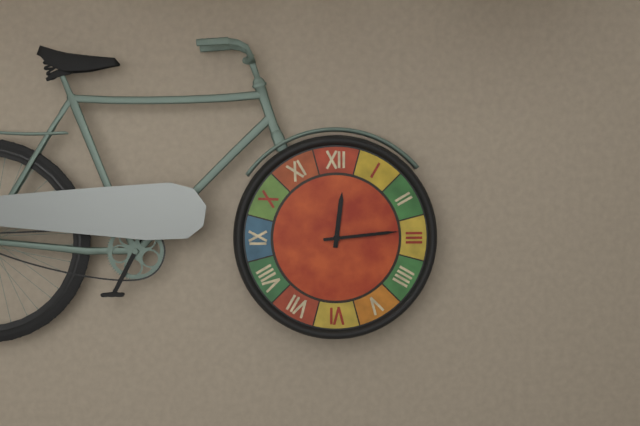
{"hour": 12, "minute": 14}
